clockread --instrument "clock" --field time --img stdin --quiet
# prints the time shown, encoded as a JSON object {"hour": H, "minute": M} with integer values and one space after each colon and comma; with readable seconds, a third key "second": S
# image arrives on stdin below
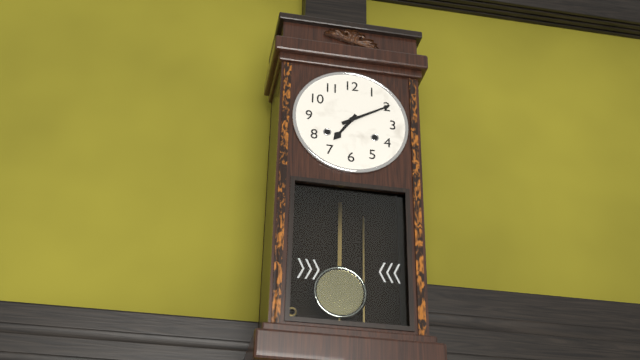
{"hour": 7, "minute": 10}
